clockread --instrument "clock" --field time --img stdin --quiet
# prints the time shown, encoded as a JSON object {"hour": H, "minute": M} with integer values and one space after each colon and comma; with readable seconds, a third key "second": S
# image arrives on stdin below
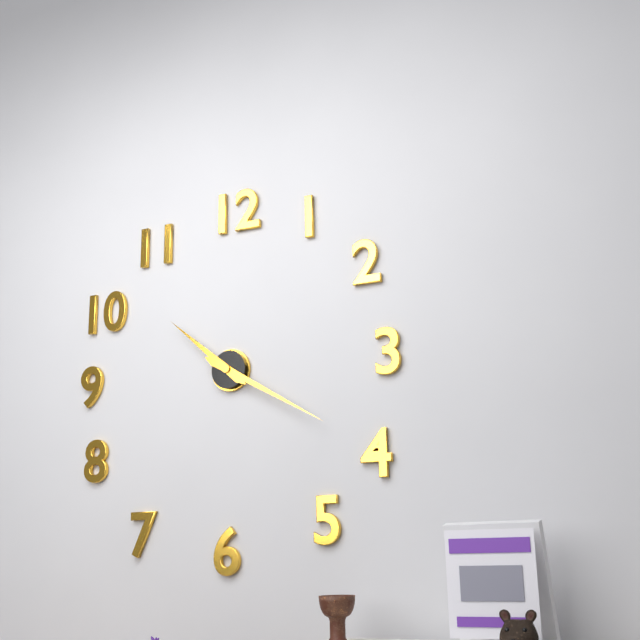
{"hour": 10, "minute": 20}
